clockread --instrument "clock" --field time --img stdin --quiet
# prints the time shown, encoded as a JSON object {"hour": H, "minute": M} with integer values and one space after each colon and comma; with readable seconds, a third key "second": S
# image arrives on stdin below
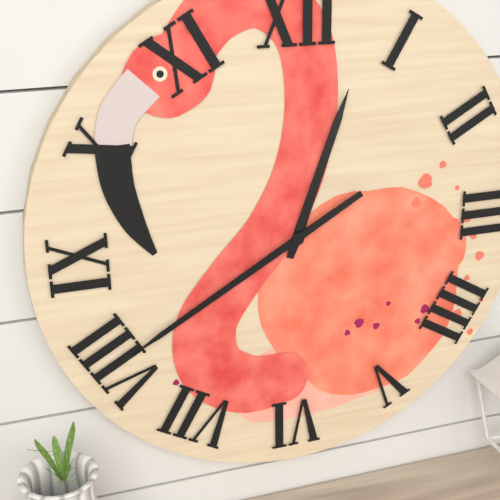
{"hour": 12, "minute": 40}
